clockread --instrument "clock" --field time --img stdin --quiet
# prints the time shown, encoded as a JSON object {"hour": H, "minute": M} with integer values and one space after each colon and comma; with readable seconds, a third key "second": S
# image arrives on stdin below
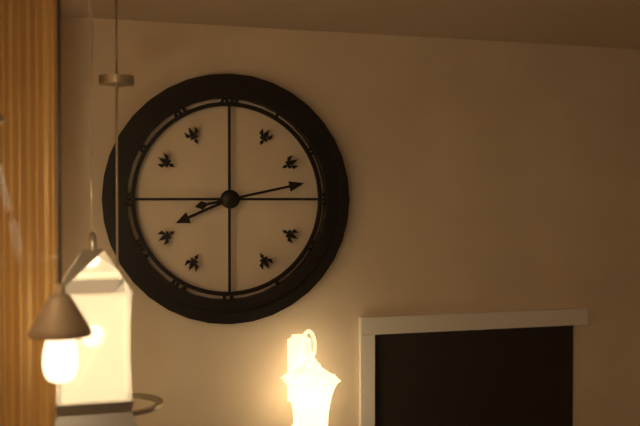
{"hour": 8, "minute": 13}
